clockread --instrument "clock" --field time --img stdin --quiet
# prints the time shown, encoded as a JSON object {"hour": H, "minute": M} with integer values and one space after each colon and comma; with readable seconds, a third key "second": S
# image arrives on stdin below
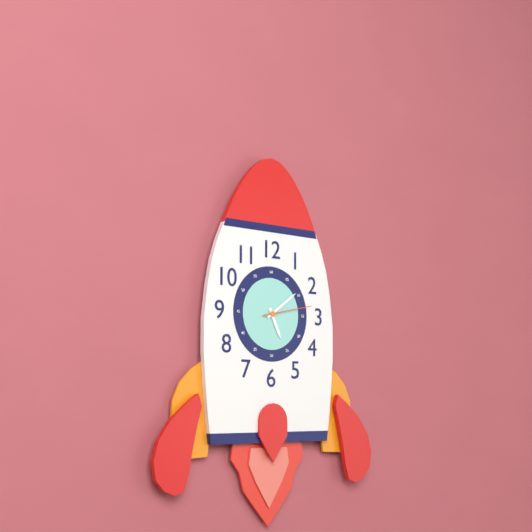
{"hour": 5, "minute": 9, "second": 13}
